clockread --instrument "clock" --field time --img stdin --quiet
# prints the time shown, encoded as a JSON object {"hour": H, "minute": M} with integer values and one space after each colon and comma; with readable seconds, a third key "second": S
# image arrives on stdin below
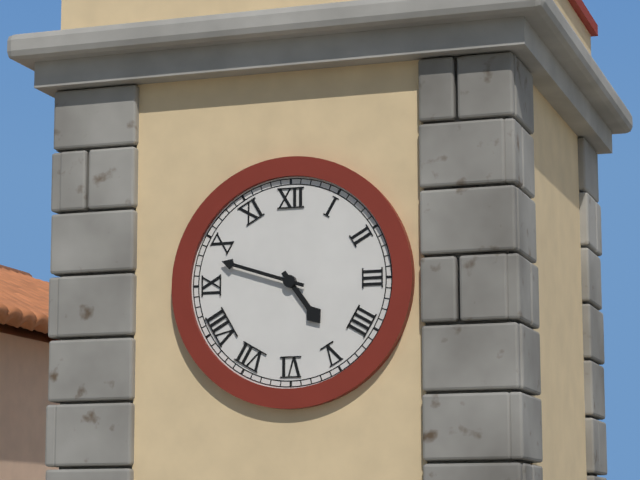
{"hour": 4, "minute": 48}
